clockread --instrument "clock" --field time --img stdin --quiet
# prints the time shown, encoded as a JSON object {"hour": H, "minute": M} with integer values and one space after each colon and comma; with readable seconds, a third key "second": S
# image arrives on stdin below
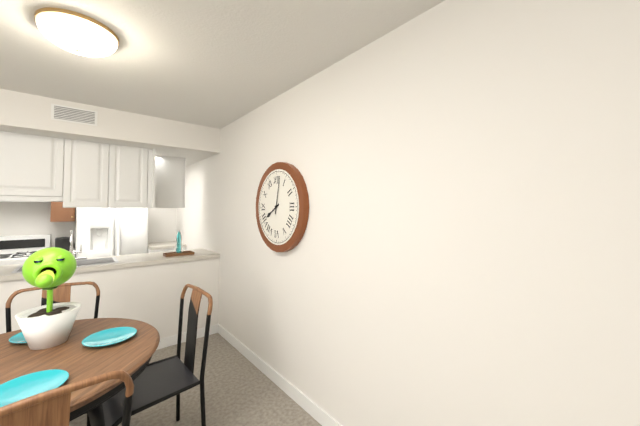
{"hour": 8, "minute": 2}
